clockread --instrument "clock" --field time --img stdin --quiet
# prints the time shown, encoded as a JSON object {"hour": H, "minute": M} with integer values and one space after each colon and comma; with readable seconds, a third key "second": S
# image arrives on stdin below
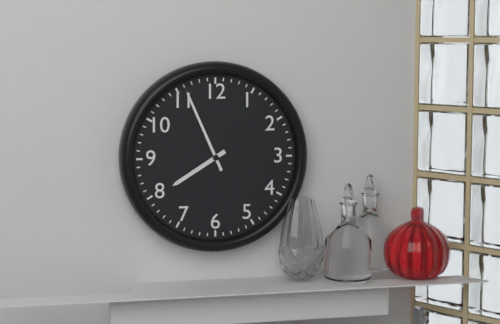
{"hour": 7, "minute": 56}
